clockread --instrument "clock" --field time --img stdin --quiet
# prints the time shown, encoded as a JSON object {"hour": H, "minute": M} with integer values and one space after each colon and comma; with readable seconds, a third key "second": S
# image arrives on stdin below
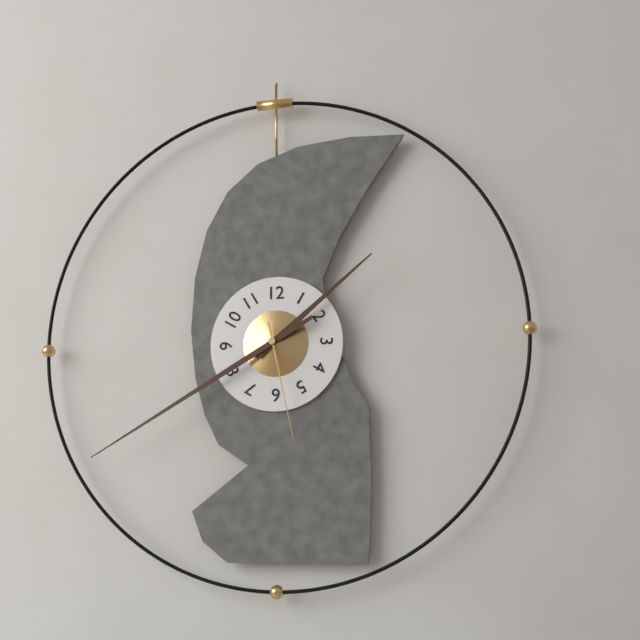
{"hour": 1, "minute": 40, "second": 28}
